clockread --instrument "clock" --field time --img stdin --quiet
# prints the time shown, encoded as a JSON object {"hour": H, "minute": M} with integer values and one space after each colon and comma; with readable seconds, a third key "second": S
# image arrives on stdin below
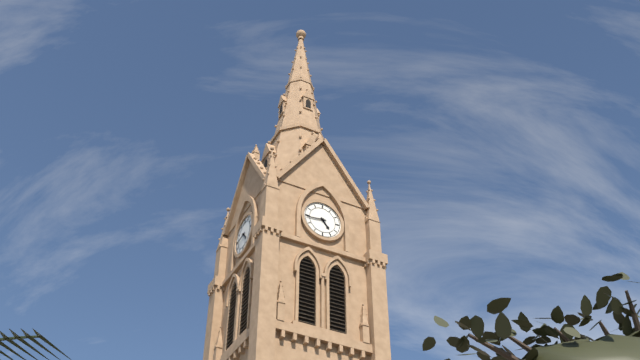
{"hour": 4, "minute": 44}
